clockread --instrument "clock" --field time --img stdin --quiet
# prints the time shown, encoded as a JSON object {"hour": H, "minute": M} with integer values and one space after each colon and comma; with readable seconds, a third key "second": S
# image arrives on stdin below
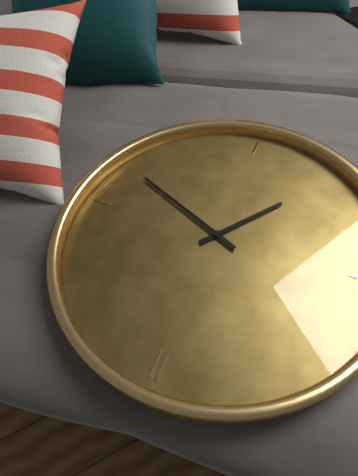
{"hour": 7, "minute": 19}
